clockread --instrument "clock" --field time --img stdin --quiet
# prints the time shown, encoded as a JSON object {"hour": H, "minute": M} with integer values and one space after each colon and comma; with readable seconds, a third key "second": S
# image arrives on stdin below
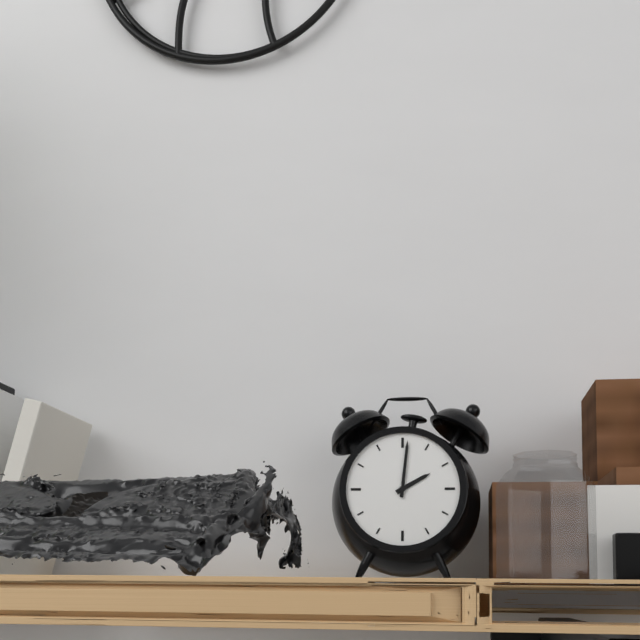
{"hour": 2, "minute": 1}
